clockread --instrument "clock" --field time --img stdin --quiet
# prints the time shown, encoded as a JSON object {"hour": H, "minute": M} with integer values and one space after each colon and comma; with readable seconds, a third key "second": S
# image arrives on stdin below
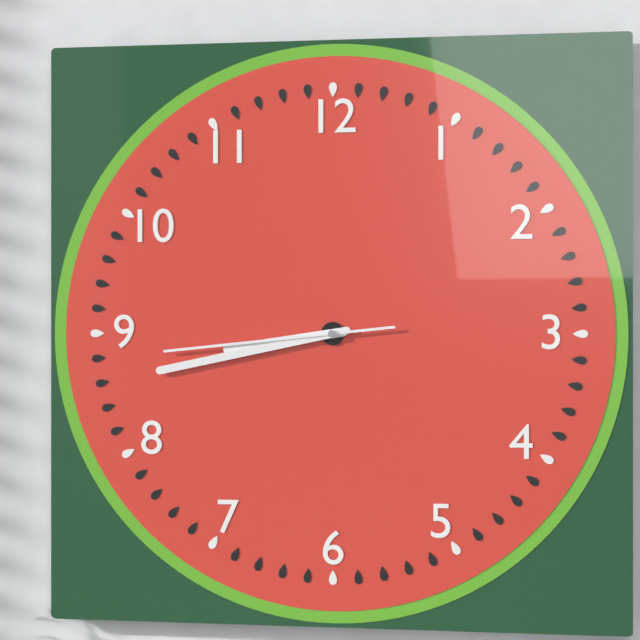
{"hour": 8, "minute": 43, "second": 44}
